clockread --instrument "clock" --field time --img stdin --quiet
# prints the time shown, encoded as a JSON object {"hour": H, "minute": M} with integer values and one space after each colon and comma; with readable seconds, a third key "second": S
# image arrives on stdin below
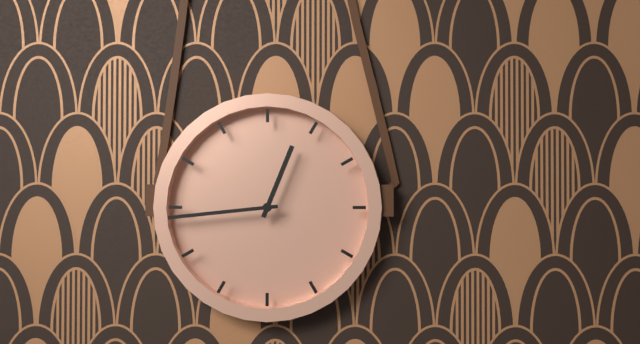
{"hour": 12, "minute": 44}
